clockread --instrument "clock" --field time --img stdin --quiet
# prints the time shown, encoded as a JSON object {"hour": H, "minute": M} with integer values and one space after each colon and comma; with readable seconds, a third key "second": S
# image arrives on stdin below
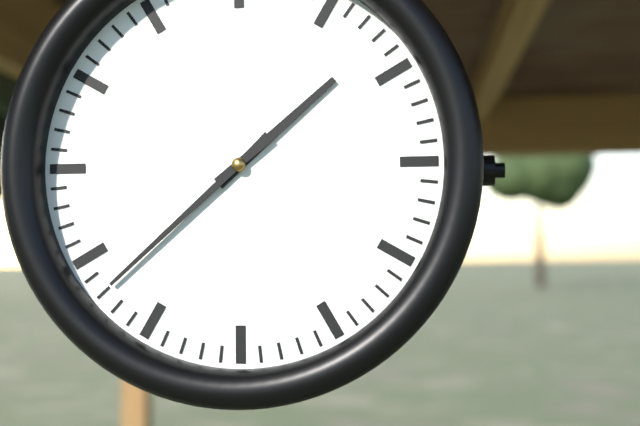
{"hour": 1, "minute": 38}
